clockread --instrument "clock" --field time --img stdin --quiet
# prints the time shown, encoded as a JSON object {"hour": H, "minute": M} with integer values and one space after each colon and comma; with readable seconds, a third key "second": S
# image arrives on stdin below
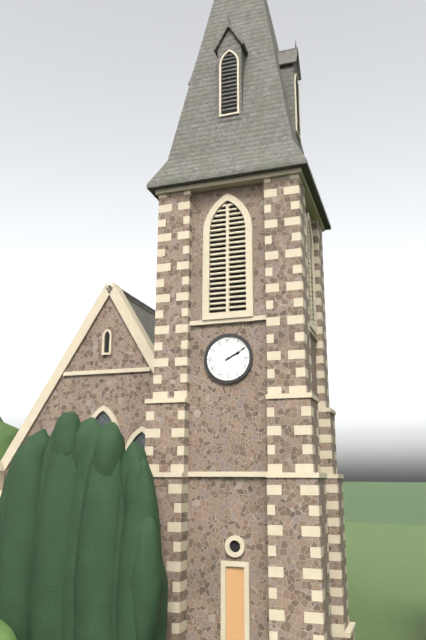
{"hour": 2, "minute": 10}
